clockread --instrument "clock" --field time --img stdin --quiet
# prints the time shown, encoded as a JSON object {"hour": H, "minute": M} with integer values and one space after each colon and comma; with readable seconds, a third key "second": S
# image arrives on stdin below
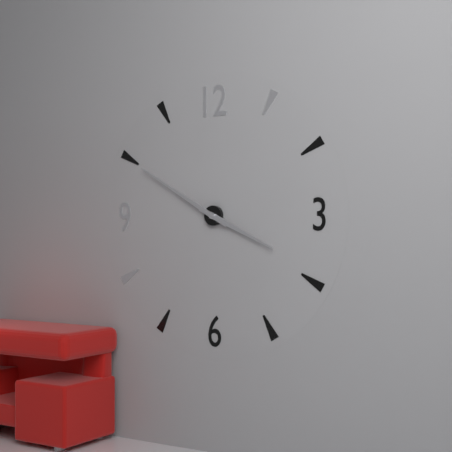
{"hour": 3, "minute": 50}
